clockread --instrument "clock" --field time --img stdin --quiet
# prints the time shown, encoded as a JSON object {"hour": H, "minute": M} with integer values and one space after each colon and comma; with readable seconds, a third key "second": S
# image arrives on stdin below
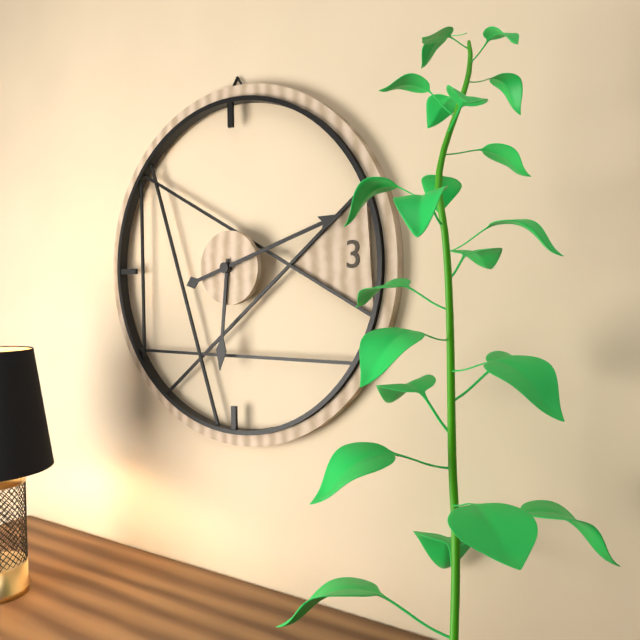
{"hour": 6, "minute": 12}
